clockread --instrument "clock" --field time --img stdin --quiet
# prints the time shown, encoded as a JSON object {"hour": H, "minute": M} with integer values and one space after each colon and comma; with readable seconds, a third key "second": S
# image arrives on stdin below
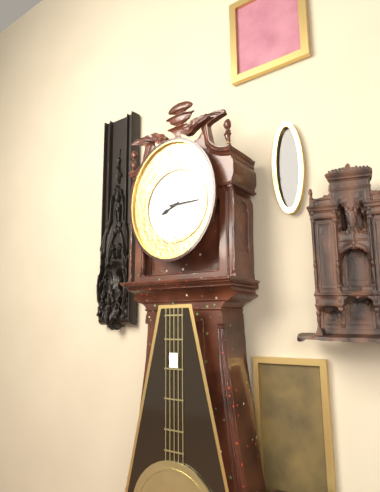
{"hour": 8, "minute": 15}
